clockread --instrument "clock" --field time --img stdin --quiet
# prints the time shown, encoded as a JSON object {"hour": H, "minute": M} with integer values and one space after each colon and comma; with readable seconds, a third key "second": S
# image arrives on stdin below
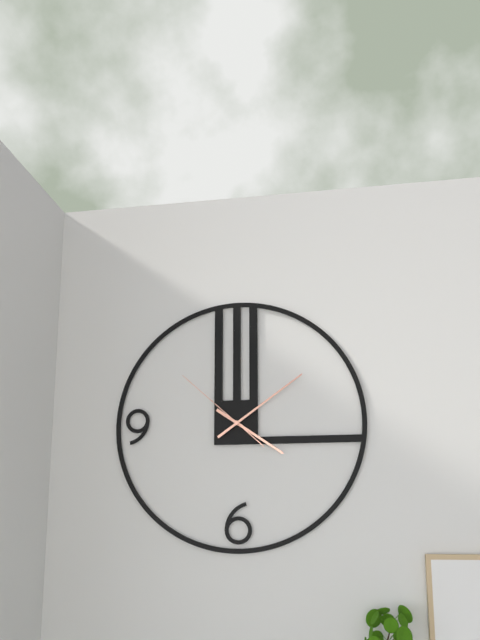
{"hour": 4, "minute": 9, "second": 52}
